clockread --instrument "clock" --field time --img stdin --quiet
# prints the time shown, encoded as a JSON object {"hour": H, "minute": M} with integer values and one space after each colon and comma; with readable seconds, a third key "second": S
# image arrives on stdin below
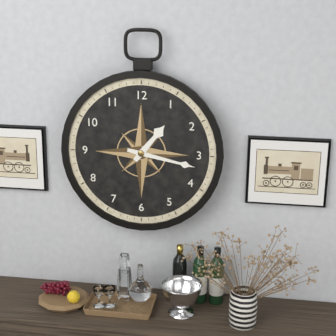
{"hour": 1, "minute": 17}
